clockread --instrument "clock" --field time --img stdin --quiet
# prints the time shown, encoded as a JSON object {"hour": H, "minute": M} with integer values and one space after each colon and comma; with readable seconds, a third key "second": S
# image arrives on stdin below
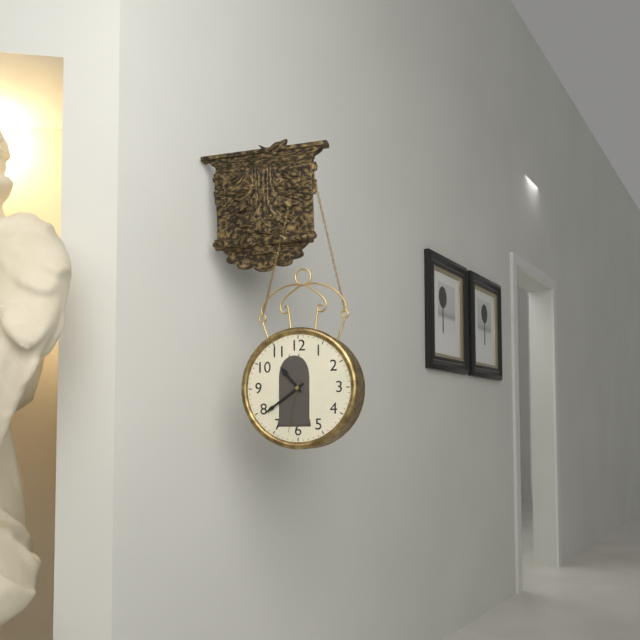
{"hour": 10, "minute": 39, "second": 32}
